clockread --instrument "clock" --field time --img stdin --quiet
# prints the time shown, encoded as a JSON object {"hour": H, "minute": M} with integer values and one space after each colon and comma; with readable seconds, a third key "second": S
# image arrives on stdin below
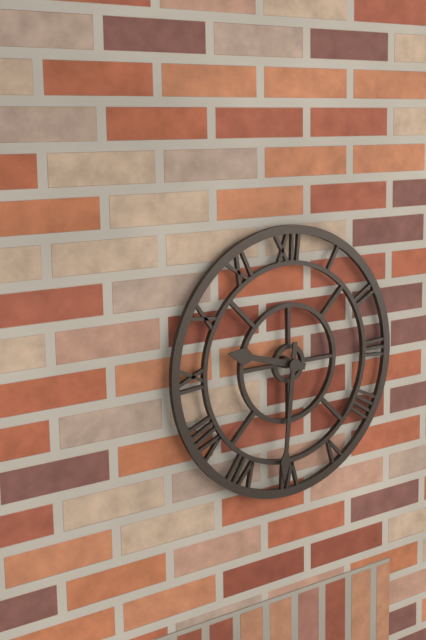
{"hour": 9, "minute": 31}
